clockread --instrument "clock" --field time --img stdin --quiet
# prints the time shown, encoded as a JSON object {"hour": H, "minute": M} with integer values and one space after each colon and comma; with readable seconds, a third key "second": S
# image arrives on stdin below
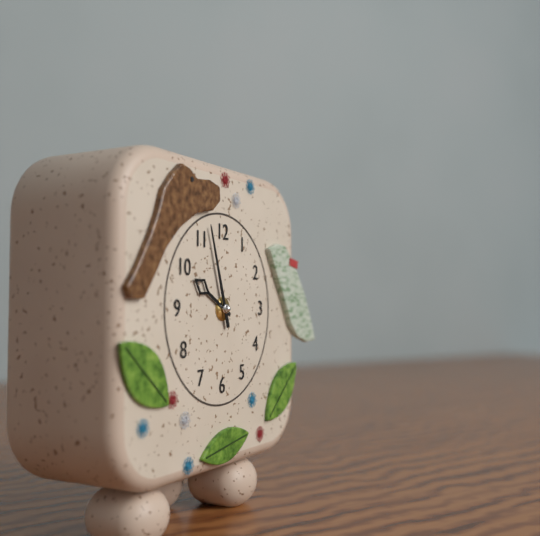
{"hour": 9, "minute": 57}
